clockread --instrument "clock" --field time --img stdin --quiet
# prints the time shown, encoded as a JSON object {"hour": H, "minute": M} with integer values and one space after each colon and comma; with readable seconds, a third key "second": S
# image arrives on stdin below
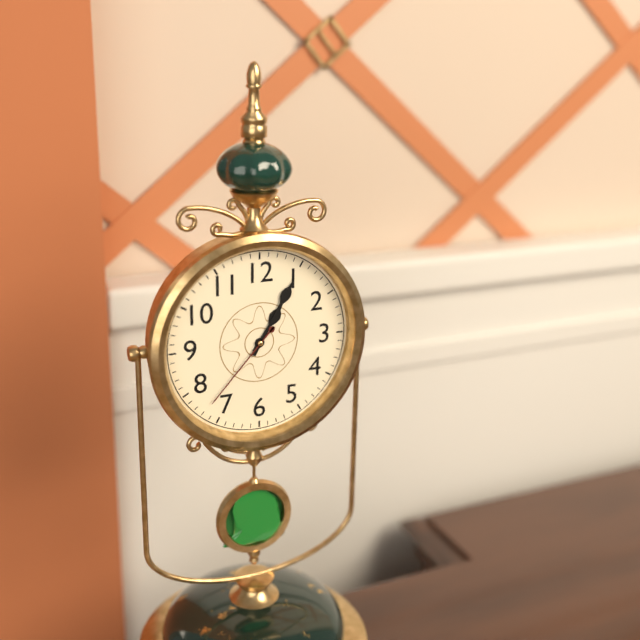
{"hour": 1, "minute": 5, "second": 37}
